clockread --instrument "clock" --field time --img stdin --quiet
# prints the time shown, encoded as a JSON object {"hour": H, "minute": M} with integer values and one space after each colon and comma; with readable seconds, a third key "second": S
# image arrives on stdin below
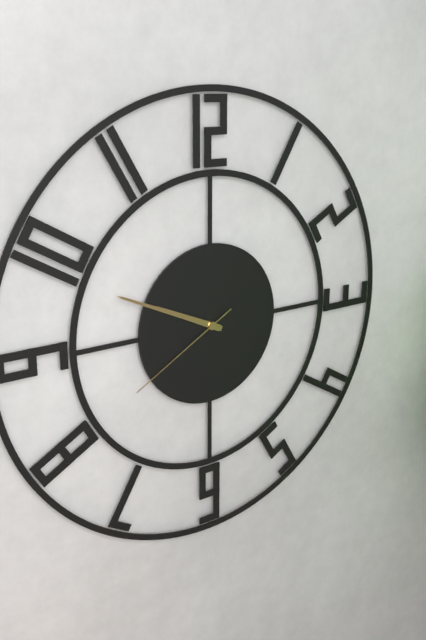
{"hour": 9, "minute": 49, "second": 40}
